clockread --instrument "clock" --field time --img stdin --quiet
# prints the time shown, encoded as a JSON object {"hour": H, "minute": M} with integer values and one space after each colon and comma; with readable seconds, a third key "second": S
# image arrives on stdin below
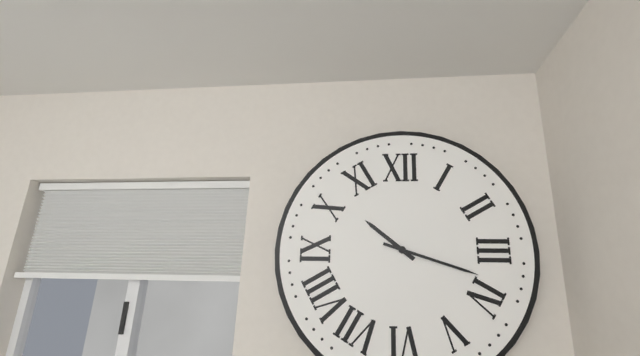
{"hour": 10, "minute": 18}
